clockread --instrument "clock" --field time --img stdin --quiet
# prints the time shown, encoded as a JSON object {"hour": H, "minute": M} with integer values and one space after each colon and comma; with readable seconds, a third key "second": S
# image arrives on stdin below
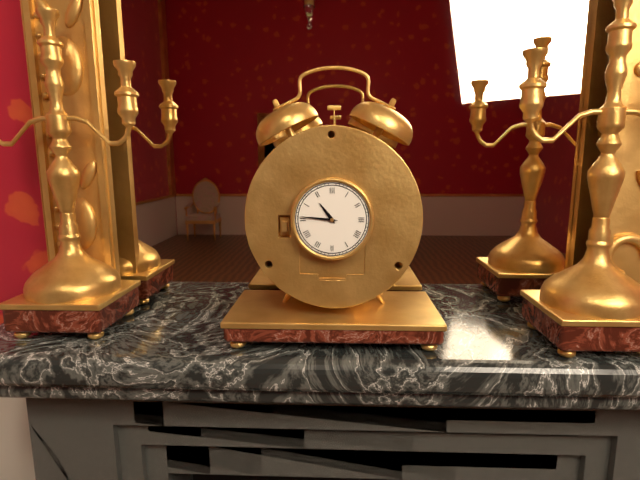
{"hour": 10, "minute": 46}
